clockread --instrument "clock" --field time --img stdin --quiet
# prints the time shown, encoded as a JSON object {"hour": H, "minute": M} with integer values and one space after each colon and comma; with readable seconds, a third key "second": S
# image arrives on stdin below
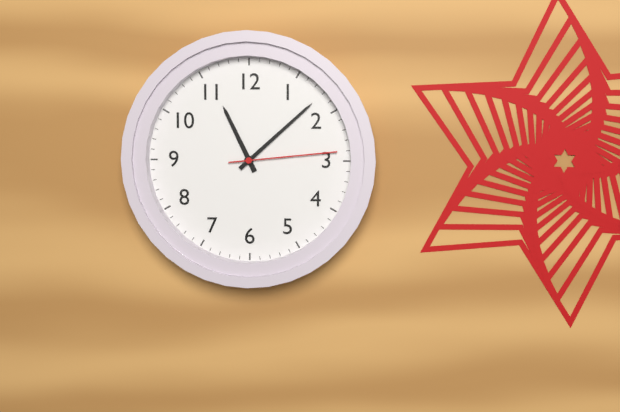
{"hour": 11, "minute": 8, "second": 14}
